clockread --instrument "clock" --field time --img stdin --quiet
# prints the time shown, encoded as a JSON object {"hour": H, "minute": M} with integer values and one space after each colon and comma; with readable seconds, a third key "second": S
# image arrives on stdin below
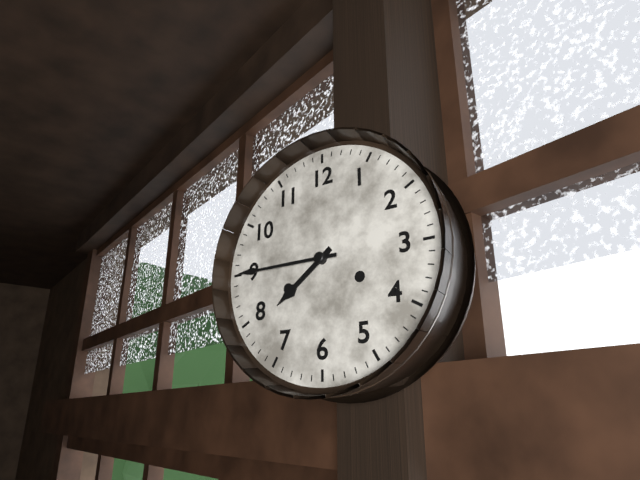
{"hour": 7, "minute": 45}
